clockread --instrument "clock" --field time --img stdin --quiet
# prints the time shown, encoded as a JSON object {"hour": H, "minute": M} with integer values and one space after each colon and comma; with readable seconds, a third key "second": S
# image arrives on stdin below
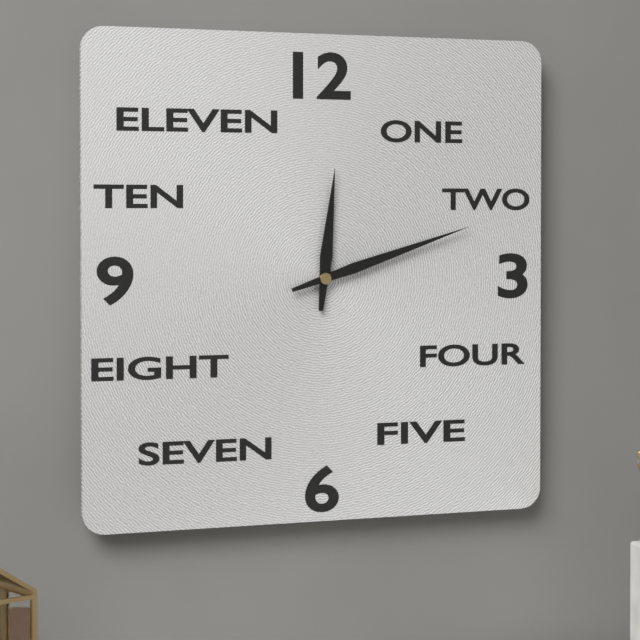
{"hour": 12, "minute": 12}
